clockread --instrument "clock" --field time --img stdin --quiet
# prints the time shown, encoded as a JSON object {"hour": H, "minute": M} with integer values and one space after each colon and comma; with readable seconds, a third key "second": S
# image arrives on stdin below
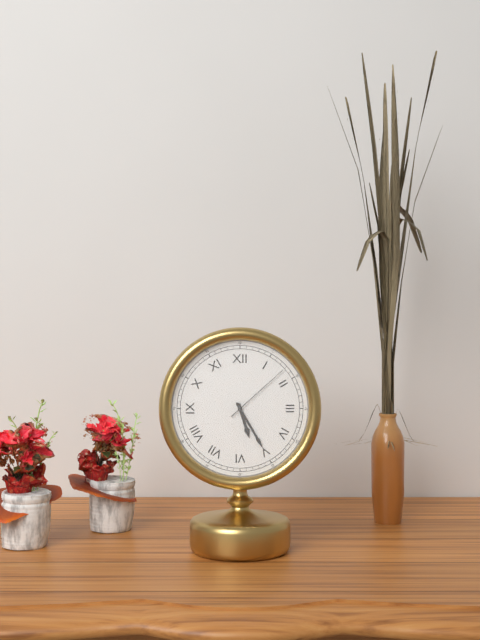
{"hour": 5, "minute": 25, "second": 8}
